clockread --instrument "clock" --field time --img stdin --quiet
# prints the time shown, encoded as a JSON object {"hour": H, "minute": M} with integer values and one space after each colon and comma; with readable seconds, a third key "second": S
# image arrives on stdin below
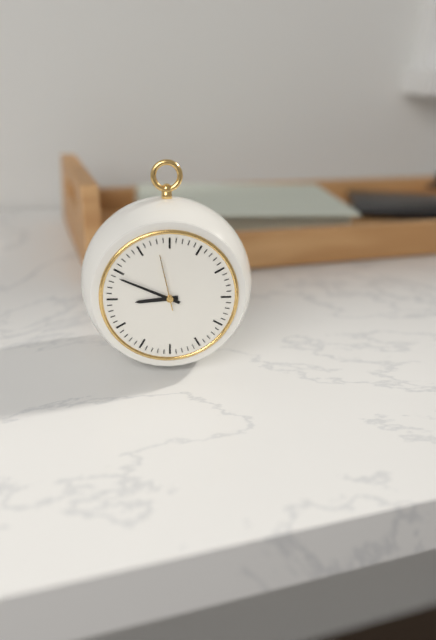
{"hour": 8, "minute": 49, "second": 58}
